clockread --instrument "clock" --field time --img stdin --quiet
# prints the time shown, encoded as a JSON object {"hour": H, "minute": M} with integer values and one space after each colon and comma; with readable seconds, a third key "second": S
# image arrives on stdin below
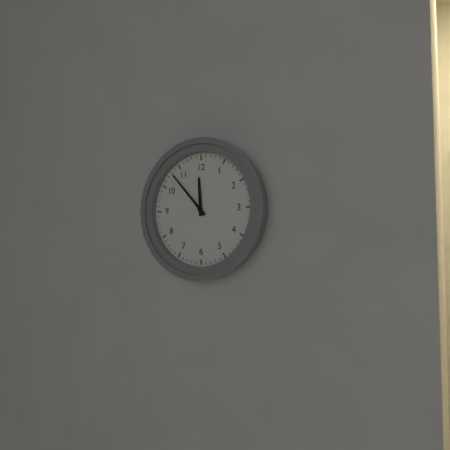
{"hour": 11, "minute": 53}
